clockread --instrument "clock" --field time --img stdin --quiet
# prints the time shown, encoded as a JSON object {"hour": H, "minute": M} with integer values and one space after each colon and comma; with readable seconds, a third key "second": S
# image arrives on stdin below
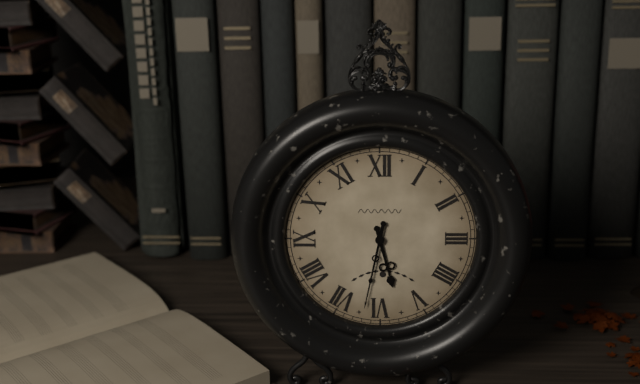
{"hour": 5, "minute": 32}
